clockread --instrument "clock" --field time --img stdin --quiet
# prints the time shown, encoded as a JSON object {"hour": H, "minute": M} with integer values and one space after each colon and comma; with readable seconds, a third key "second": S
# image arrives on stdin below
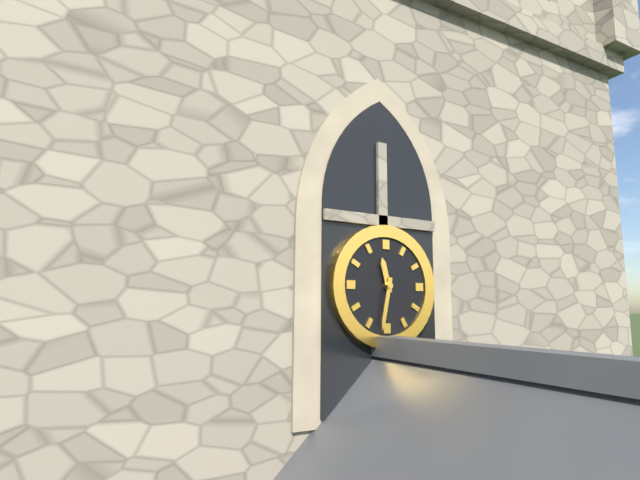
{"hour": 11, "minute": 32}
